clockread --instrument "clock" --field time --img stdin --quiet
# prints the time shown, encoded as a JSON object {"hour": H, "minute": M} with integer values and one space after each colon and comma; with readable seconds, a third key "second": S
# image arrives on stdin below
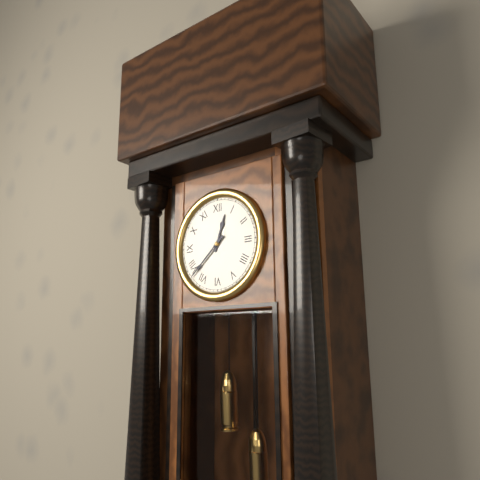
{"hour": 12, "minute": 38}
